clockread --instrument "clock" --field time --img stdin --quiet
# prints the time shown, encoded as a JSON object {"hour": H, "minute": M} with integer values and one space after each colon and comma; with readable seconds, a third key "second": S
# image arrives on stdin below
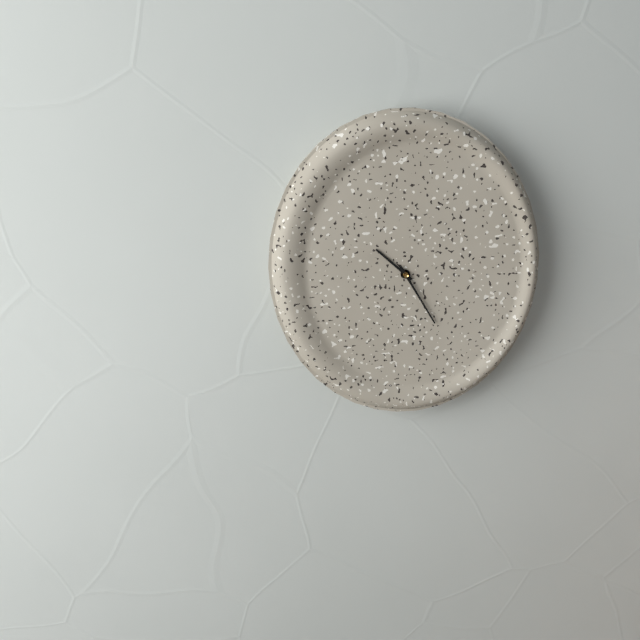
{"hour": 10, "minute": 25}
